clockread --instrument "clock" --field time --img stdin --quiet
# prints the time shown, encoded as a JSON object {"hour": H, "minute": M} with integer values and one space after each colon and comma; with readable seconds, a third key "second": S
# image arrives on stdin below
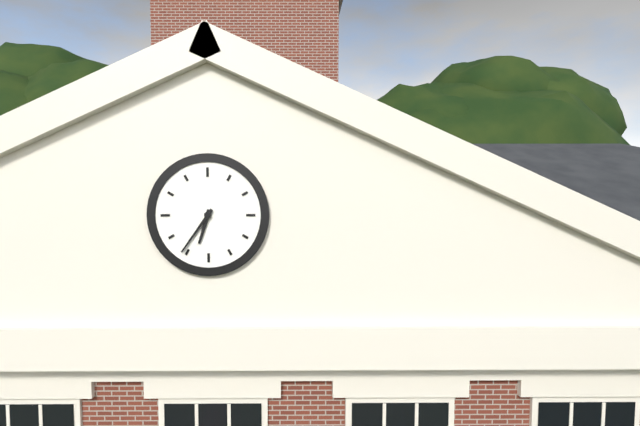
{"hour": 6, "minute": 36}
